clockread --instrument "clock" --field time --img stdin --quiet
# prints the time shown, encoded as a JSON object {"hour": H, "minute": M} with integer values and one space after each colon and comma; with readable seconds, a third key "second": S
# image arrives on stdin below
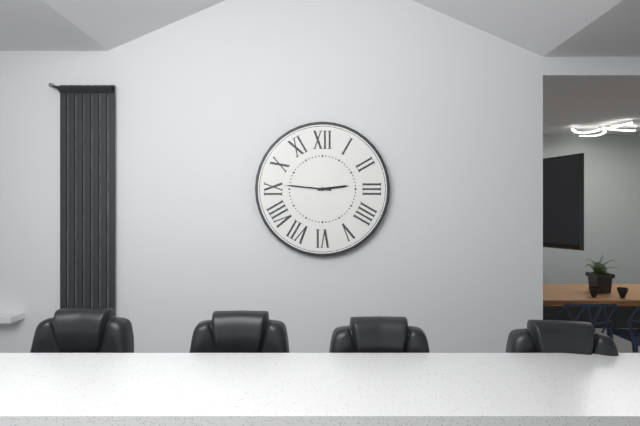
{"hour": 2, "minute": 46}
